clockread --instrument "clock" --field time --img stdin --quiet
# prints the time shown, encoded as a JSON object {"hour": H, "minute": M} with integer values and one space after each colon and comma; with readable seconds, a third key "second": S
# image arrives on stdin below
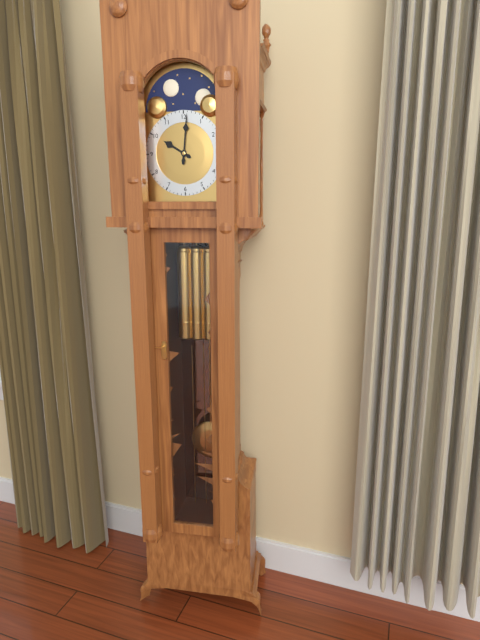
{"hour": 10, "minute": 1}
